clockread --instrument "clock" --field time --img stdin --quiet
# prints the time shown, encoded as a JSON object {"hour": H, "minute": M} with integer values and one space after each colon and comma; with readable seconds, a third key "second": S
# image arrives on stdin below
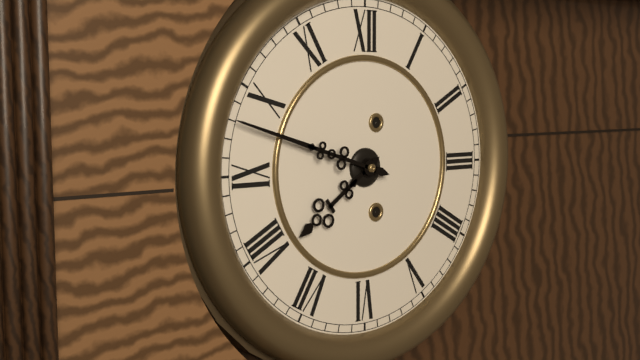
{"hour": 7, "minute": 48}
